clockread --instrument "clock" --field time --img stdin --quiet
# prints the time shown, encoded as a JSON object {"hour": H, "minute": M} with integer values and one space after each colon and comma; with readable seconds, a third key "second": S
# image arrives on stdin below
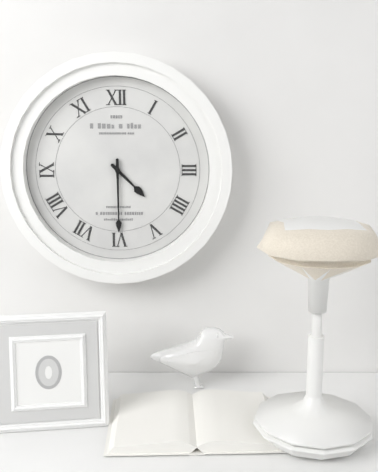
{"hour": 4, "minute": 30}
